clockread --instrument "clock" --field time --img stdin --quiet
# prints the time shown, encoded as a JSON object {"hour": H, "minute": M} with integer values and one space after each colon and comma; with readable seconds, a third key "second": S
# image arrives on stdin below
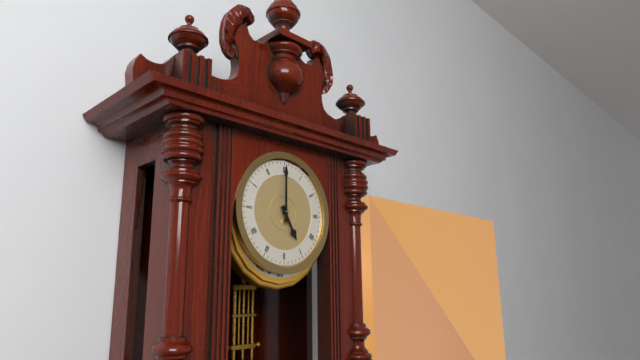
{"hour": 5, "minute": 0}
